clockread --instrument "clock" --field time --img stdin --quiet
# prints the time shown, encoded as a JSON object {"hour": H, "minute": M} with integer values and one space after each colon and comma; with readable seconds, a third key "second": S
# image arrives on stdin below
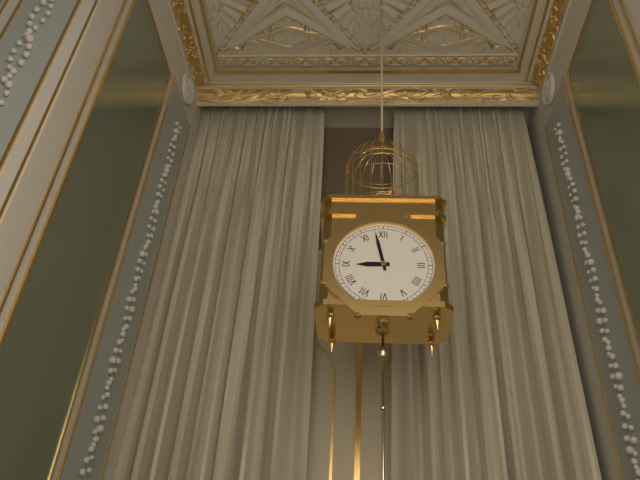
{"hour": 8, "minute": 58}
